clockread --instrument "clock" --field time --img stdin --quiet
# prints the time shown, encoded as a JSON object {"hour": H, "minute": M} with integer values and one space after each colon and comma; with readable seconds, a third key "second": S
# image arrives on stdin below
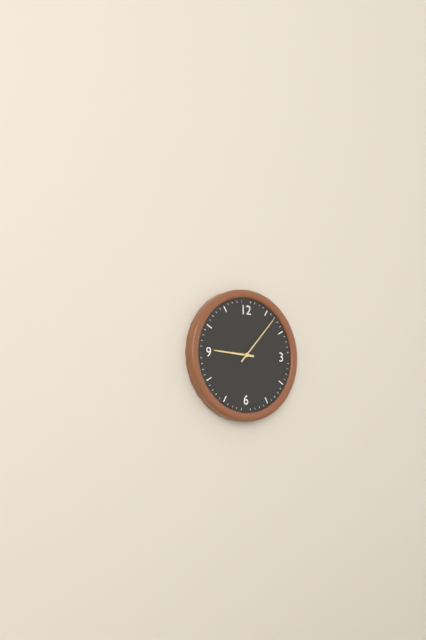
{"hour": 9, "minute": 7}
